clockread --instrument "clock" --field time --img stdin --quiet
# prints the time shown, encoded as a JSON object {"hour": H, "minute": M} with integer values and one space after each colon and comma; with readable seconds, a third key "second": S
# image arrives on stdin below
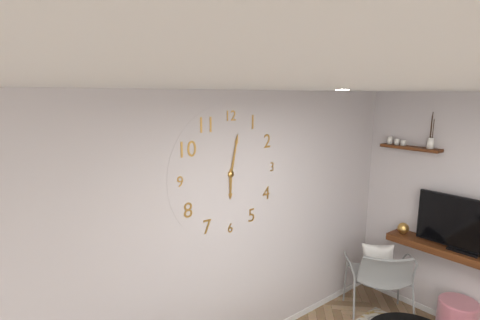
{"hour": 6, "minute": 2}
